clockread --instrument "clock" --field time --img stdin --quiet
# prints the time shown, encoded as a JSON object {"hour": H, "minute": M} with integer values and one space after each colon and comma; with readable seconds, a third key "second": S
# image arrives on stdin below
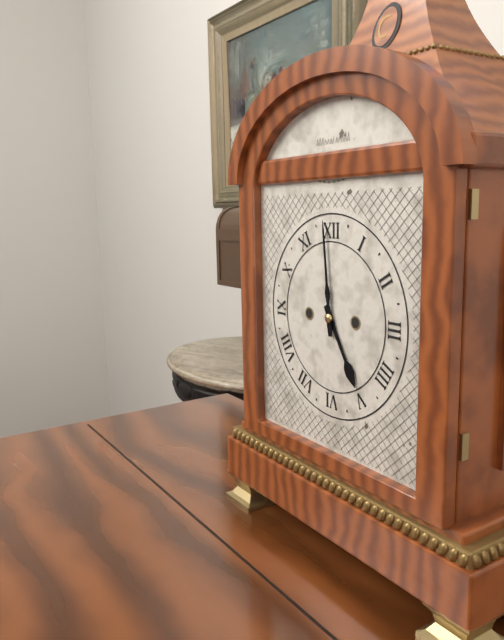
{"hour": 4, "minute": 59}
